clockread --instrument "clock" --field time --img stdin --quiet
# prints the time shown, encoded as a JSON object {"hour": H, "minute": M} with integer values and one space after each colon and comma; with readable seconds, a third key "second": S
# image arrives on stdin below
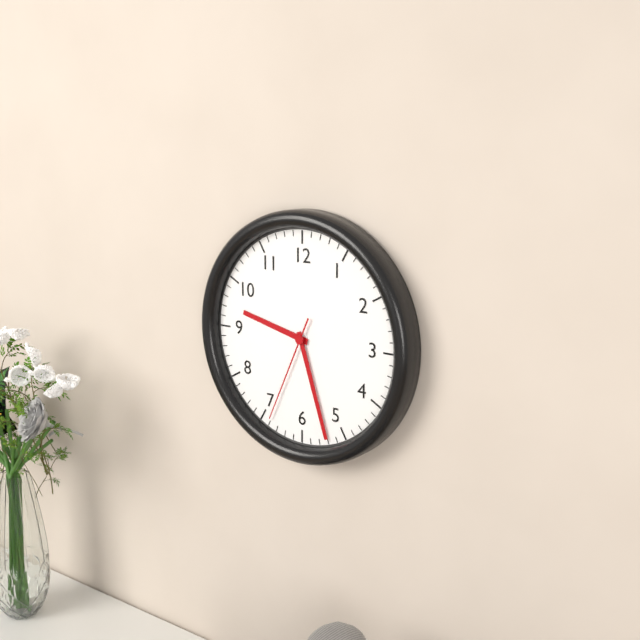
{"hour": 9, "minute": 27, "second": 34}
